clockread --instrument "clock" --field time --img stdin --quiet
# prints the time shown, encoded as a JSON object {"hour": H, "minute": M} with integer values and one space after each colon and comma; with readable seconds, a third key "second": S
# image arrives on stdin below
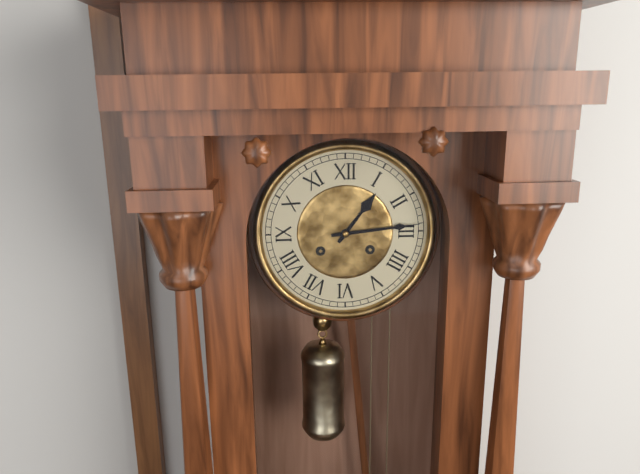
{"hour": 1, "minute": 14}
